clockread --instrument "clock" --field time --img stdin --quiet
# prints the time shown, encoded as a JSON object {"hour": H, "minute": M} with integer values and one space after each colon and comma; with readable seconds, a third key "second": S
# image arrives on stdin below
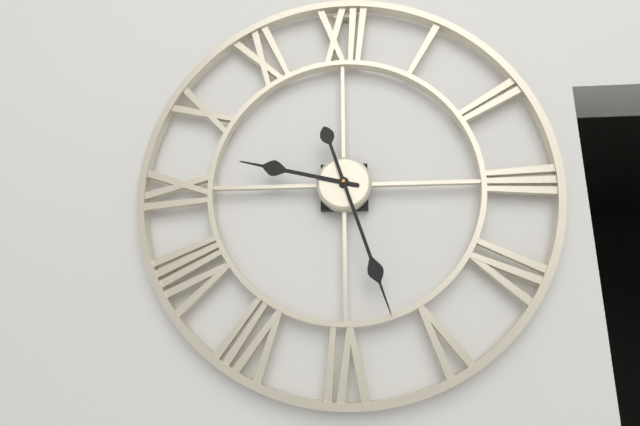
{"hour": 9, "minute": 27}
